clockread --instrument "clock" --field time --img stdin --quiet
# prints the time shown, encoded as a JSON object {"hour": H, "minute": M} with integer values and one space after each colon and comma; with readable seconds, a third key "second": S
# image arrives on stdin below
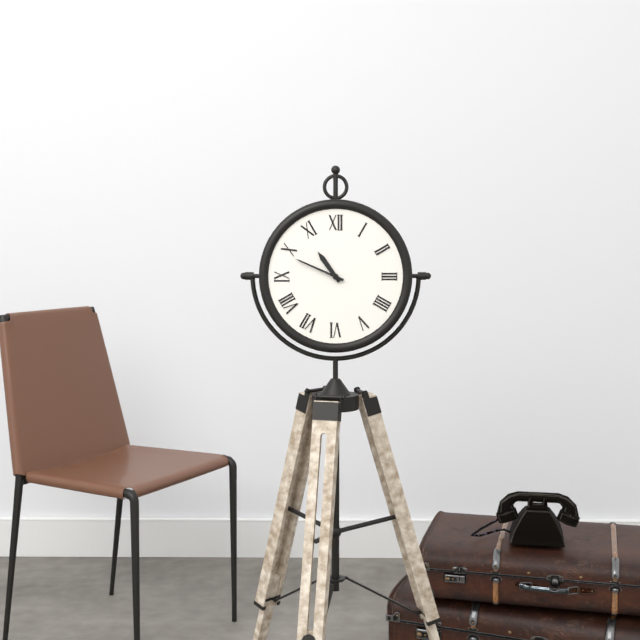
{"hour": 10, "minute": 49}
